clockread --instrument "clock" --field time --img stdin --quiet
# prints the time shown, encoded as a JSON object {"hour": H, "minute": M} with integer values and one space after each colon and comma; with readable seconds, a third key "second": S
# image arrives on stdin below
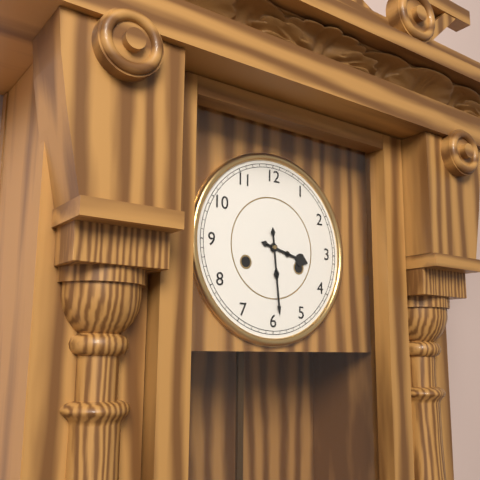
{"hour": 3, "minute": 29}
